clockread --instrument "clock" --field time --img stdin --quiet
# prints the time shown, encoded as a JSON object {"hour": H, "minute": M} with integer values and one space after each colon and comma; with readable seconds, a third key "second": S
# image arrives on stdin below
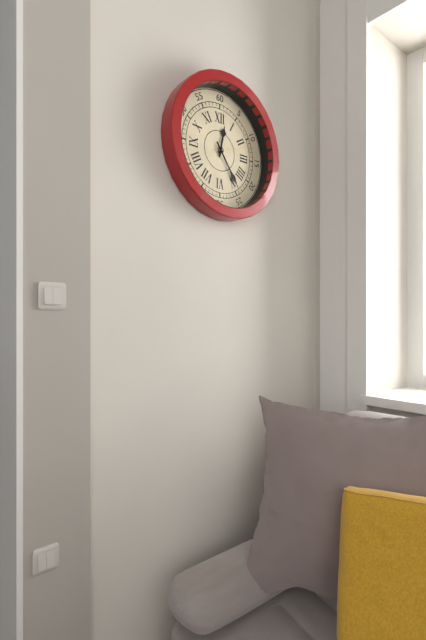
{"hour": 12, "minute": 24}
